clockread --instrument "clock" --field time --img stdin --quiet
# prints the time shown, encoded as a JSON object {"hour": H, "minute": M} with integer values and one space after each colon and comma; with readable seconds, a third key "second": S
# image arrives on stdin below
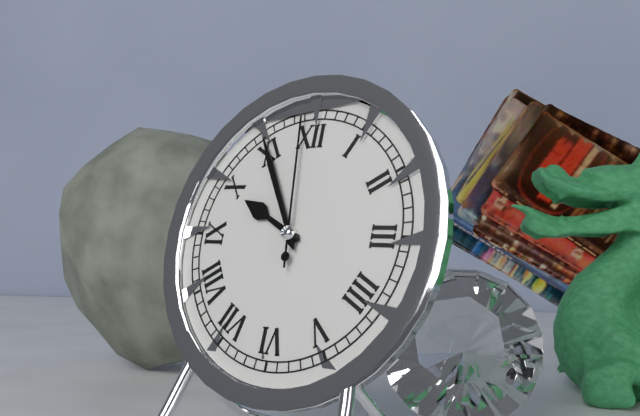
{"hour": 9, "minute": 55, "second": 59}
